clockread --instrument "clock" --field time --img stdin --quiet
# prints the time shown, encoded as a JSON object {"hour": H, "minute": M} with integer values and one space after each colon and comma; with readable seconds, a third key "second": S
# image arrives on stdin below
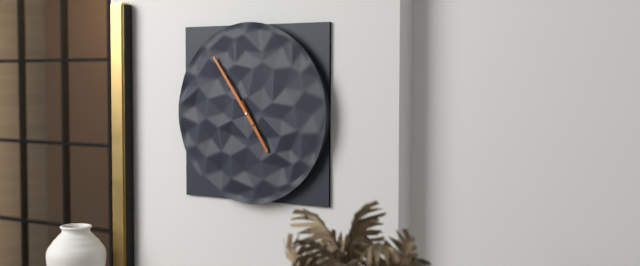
{"hour": 4, "minute": 54}
